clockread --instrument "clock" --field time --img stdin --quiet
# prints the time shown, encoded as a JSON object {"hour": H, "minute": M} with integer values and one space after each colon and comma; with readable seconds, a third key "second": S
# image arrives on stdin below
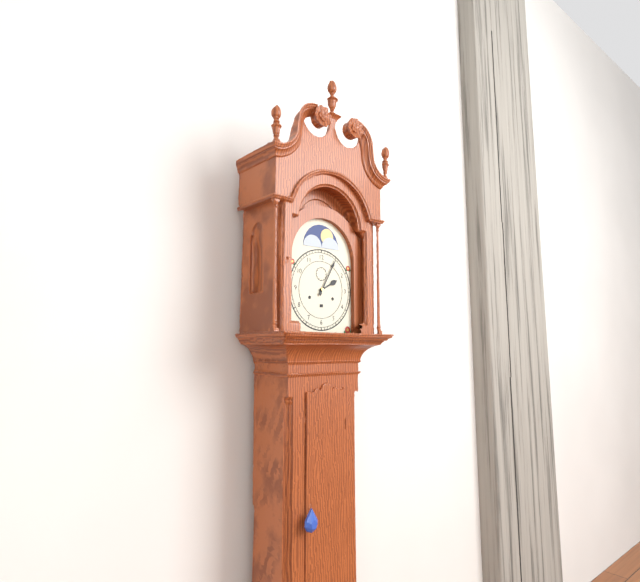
{"hour": 2, "minute": 5}
